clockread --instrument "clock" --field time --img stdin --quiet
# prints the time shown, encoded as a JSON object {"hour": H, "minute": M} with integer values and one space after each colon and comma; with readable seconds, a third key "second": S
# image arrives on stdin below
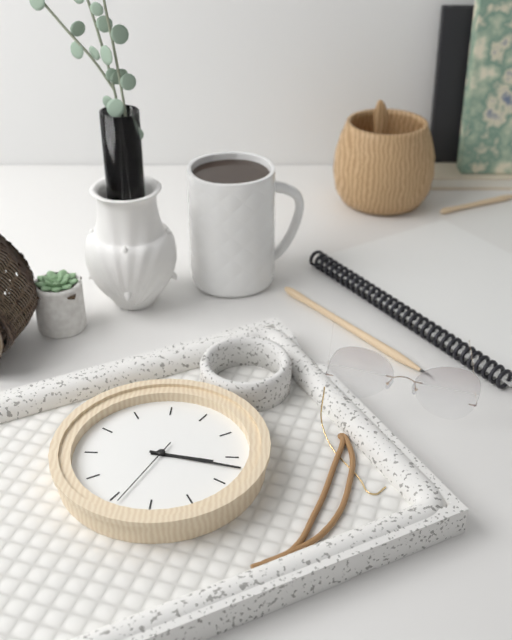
{"hour": 3, "minute": 17, "second": 34}
